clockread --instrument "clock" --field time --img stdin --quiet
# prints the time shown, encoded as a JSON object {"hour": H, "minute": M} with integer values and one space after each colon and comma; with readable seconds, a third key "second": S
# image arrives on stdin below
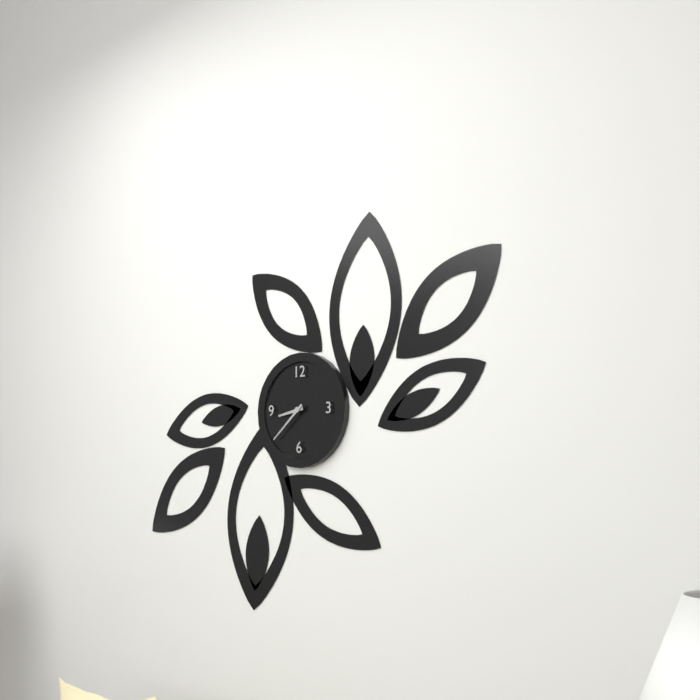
{"hour": 8, "minute": 38}
